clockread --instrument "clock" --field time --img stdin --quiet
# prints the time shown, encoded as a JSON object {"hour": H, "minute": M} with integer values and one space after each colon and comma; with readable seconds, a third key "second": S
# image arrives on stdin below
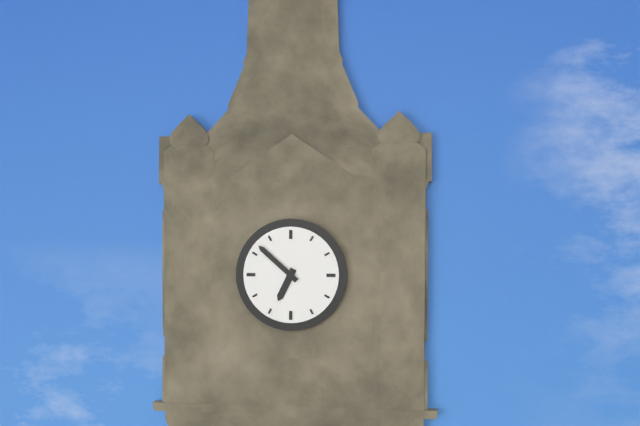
{"hour": 6, "minute": 52}
